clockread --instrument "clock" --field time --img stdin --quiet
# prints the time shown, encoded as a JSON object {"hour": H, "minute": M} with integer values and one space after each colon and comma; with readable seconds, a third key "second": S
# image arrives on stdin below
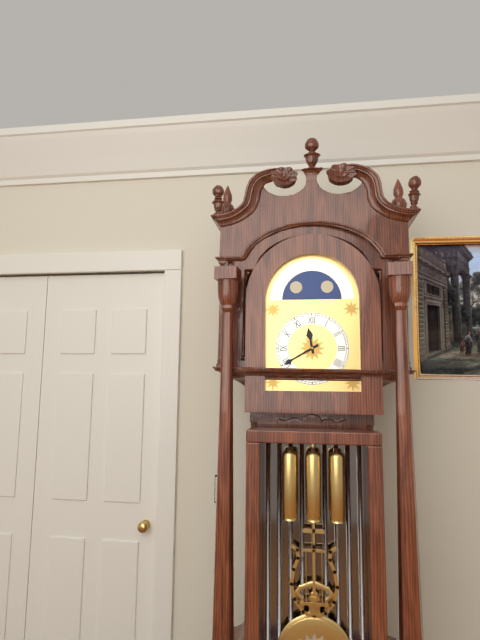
{"hour": 11, "minute": 40}
